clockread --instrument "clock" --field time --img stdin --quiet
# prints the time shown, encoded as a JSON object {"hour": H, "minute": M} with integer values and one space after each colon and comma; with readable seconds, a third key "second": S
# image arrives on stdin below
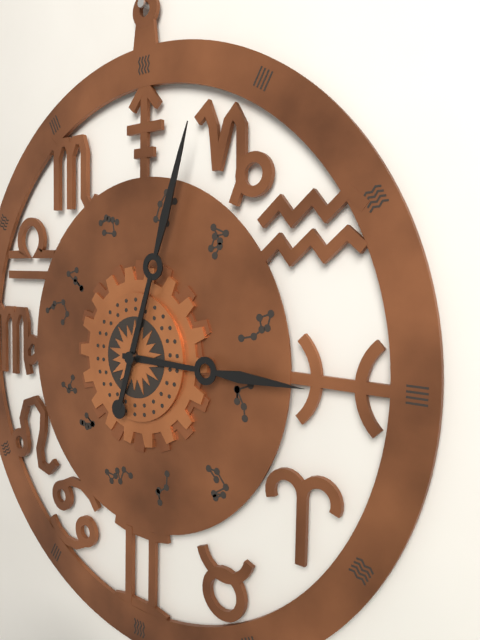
{"hour": 3, "minute": 3}
